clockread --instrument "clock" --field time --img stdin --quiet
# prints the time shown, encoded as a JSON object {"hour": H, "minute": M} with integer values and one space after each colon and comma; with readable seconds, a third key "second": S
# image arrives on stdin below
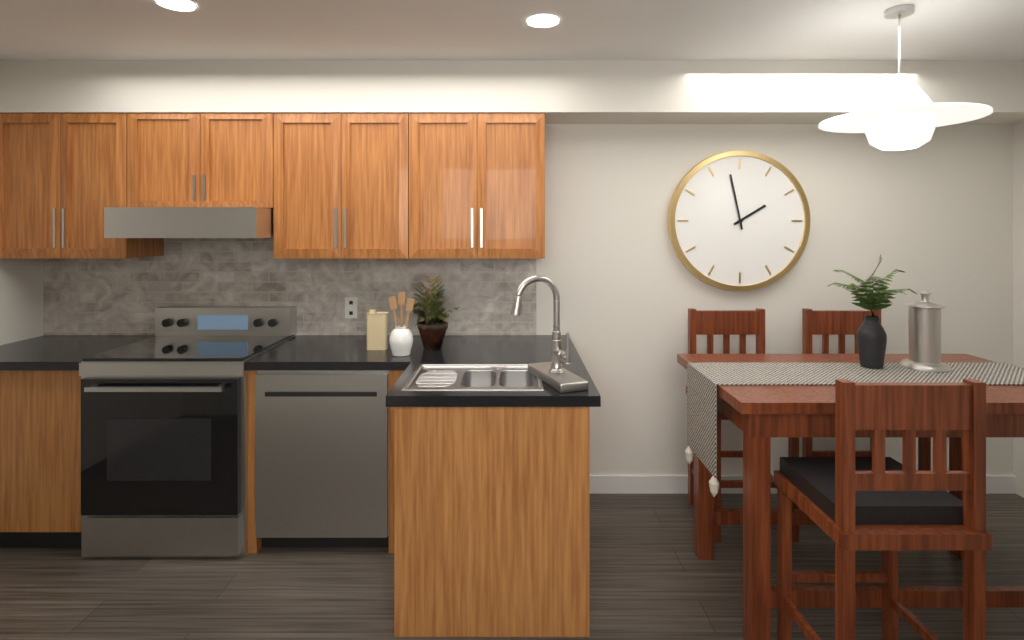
{"hour": 1, "minute": 58}
